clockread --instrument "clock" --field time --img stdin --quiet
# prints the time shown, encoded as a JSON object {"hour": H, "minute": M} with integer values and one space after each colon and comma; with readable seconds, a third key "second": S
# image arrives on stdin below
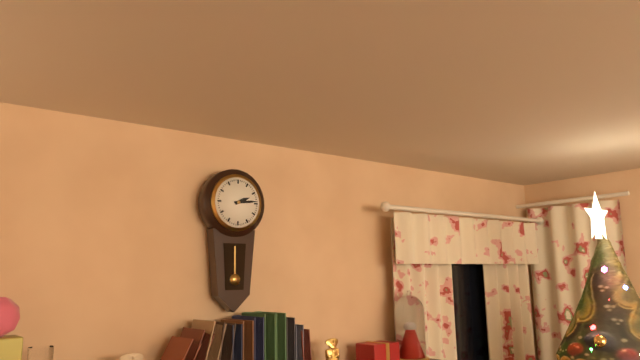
{"hour": 2, "minute": 14}
